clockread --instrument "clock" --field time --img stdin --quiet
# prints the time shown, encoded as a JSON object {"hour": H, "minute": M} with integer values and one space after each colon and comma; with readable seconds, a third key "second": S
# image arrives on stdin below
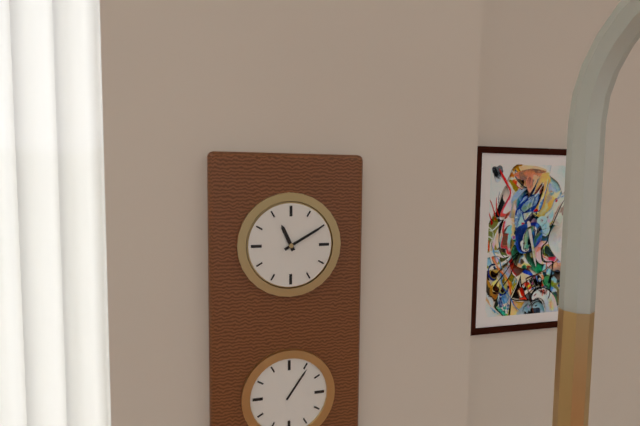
{"hour": 11, "minute": 10}
